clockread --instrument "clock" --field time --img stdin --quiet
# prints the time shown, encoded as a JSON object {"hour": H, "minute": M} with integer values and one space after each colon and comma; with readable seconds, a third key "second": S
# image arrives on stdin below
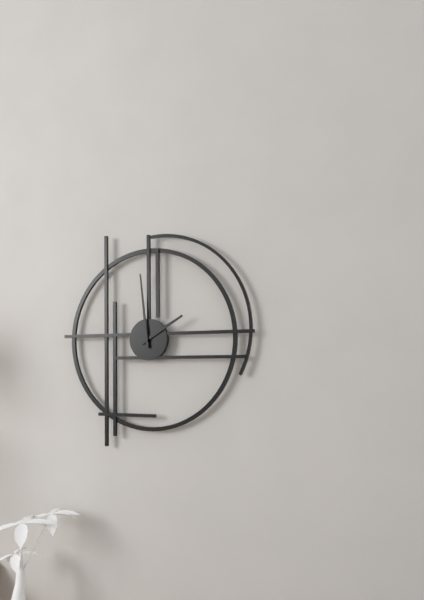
{"hour": 1, "minute": 59}
